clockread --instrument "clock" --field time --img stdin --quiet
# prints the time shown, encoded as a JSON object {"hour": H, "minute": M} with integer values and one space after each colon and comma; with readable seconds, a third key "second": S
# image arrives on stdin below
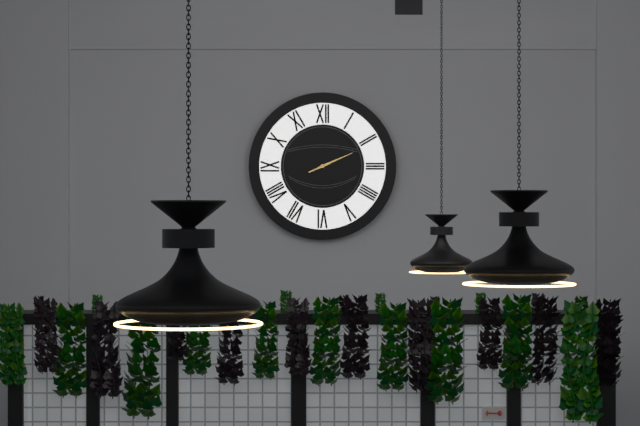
{"hour": 2, "minute": 11}
